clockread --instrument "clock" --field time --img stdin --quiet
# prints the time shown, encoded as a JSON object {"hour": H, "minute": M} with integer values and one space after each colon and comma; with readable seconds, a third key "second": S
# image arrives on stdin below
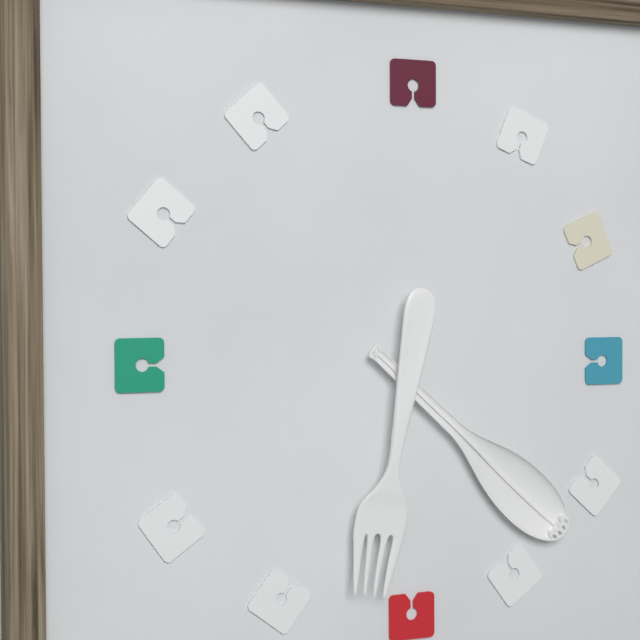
{"hour": 6, "minute": 22}
